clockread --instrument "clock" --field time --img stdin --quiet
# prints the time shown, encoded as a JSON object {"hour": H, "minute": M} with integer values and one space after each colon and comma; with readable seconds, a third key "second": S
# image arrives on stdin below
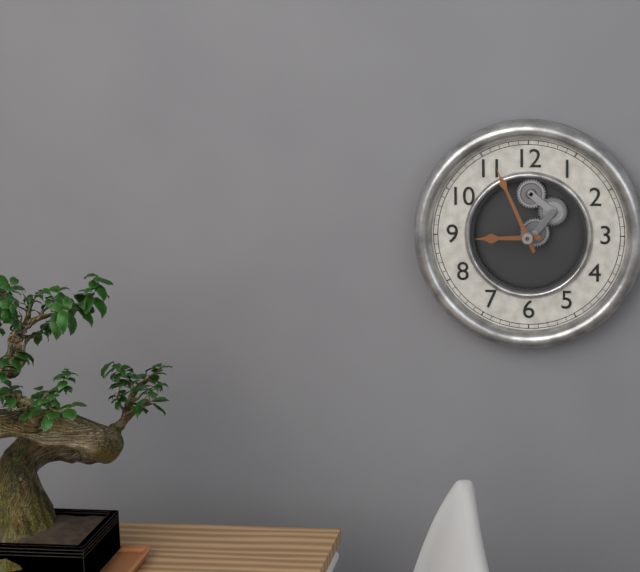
{"hour": 8, "minute": 56}
